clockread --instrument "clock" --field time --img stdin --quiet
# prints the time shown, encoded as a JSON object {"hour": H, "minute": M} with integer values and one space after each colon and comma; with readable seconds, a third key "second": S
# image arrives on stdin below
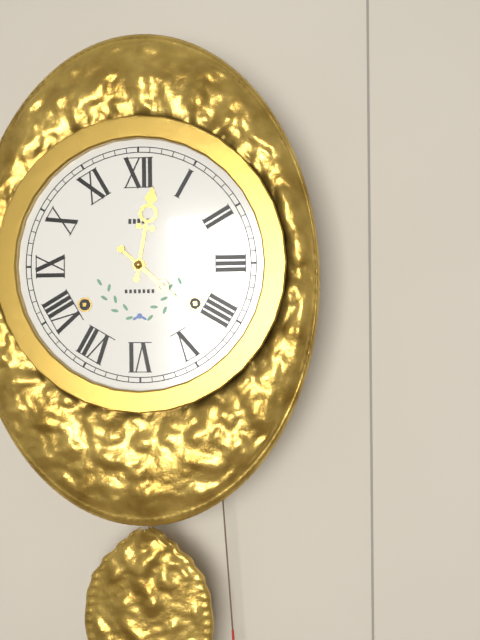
{"hour": 12, "minute": 22}
